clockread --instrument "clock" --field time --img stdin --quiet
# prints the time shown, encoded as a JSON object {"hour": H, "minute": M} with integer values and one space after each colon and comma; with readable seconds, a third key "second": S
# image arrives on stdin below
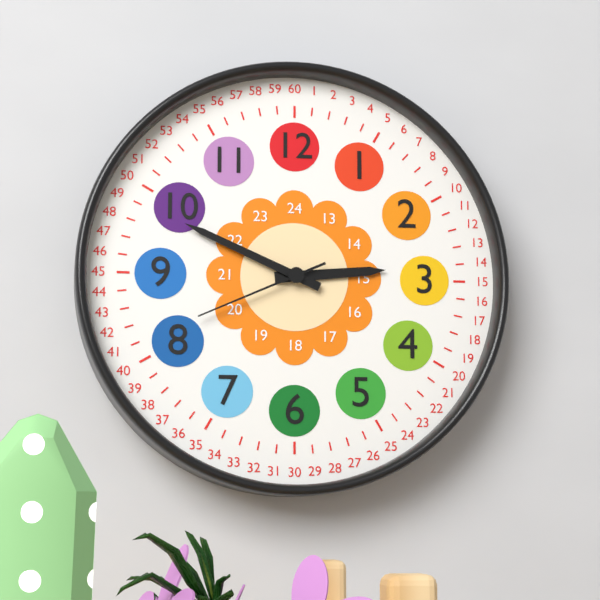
{"hour": 2, "minute": 49, "second": 41}
